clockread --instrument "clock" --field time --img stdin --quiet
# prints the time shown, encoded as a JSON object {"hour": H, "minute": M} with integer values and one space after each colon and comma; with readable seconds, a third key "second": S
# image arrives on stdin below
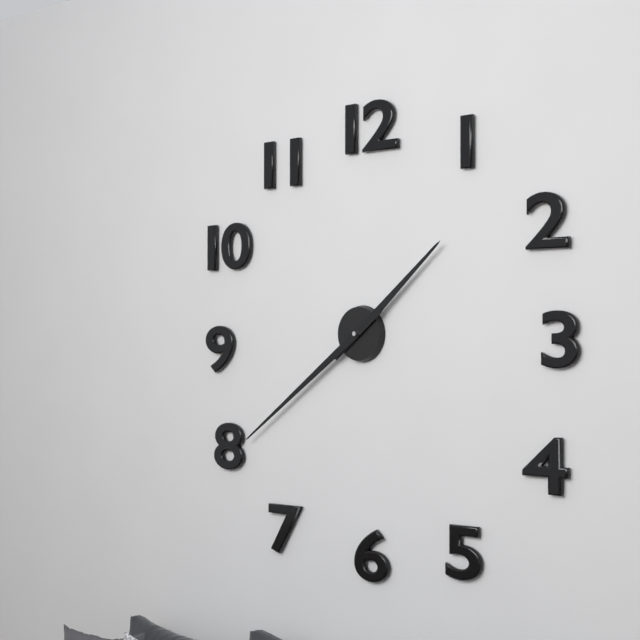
{"hour": 1, "minute": 39}
